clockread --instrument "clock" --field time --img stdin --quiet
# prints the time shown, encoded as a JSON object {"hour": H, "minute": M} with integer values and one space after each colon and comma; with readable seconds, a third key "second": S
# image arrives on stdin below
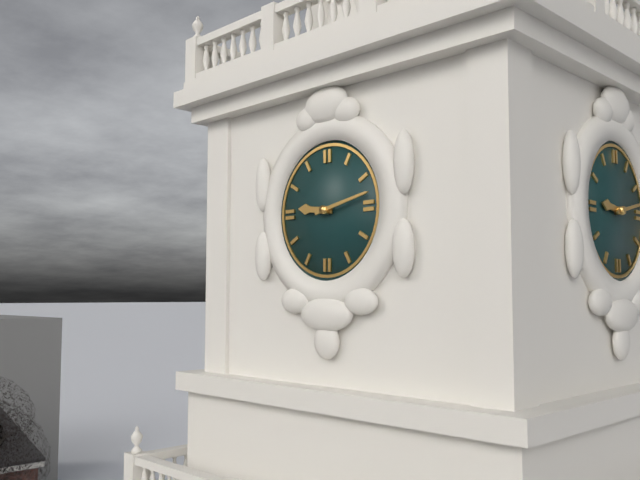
{"hour": 9, "minute": 13}
